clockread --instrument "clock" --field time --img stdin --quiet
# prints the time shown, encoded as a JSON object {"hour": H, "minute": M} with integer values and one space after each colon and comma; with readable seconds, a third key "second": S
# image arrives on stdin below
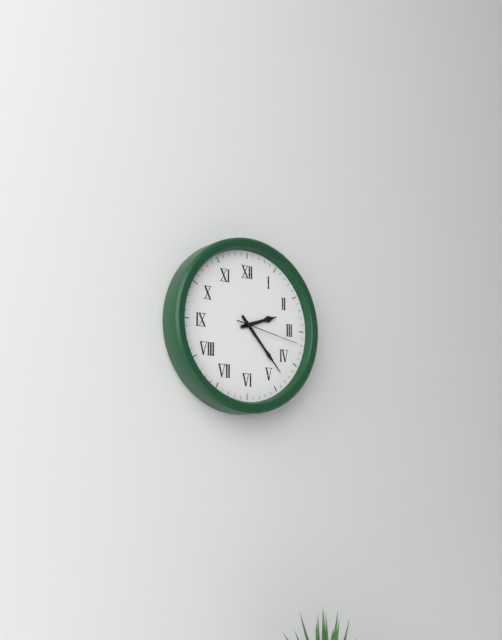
{"hour": 2, "minute": 23, "second": 17}
